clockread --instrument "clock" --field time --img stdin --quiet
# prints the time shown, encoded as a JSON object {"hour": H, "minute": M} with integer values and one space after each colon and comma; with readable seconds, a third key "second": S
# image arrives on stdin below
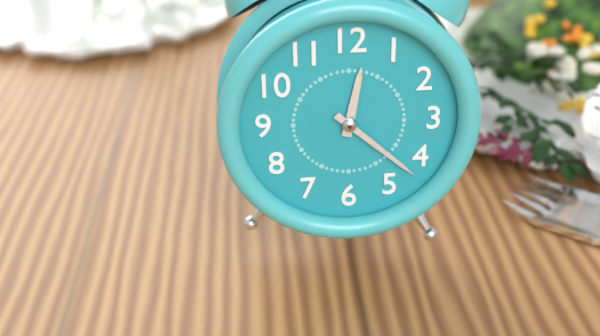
{"hour": 12, "minute": 22}
